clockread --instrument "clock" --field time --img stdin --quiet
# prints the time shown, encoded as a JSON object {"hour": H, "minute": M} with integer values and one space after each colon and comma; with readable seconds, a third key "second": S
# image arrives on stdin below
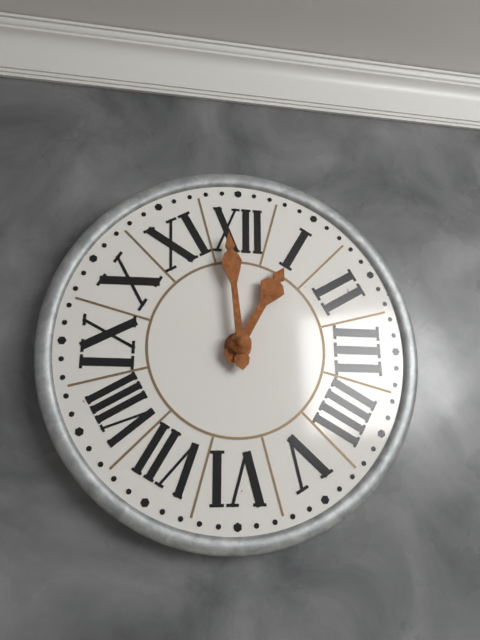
{"hour": 12, "minute": 59}
